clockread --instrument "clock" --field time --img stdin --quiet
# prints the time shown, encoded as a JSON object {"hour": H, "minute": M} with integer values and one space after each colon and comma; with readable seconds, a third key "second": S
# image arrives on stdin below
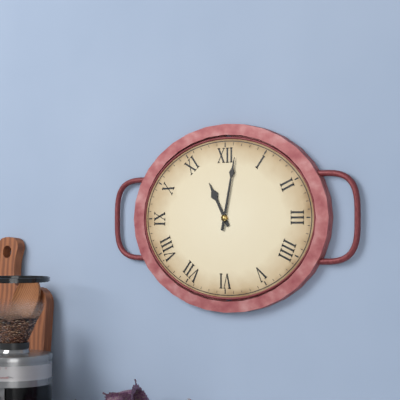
{"hour": 11, "minute": 2}
